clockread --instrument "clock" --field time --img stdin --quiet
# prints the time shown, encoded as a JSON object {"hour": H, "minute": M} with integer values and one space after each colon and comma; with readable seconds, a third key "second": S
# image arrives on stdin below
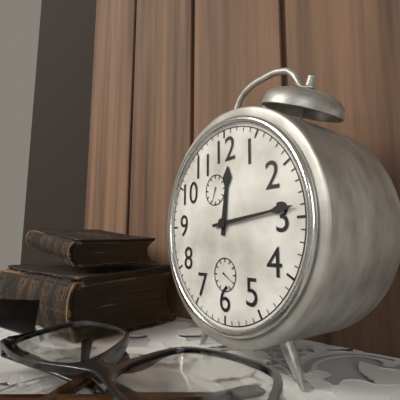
{"hour": 12, "minute": 14}
